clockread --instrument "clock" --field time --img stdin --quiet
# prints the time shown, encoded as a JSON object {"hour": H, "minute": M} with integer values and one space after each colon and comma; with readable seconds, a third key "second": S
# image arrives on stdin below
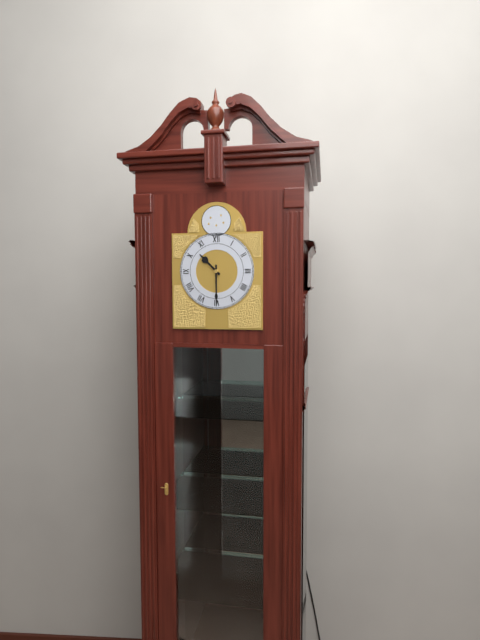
{"hour": 10, "minute": 30}
